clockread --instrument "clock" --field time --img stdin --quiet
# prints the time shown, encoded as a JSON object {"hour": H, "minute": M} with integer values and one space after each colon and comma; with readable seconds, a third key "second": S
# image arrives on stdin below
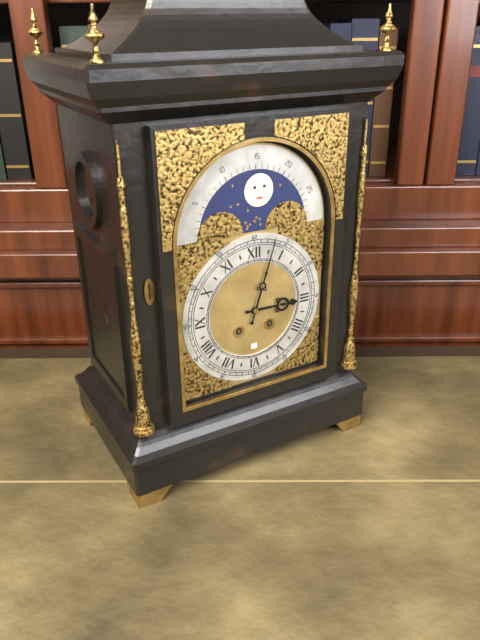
{"hour": 3, "minute": 3}
